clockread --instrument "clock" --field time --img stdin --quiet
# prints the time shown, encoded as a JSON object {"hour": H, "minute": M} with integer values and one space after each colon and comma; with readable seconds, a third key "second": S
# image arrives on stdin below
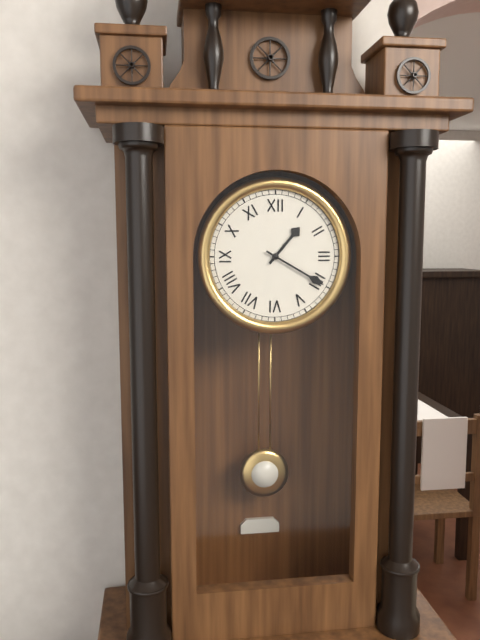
{"hour": 1, "minute": 20}
